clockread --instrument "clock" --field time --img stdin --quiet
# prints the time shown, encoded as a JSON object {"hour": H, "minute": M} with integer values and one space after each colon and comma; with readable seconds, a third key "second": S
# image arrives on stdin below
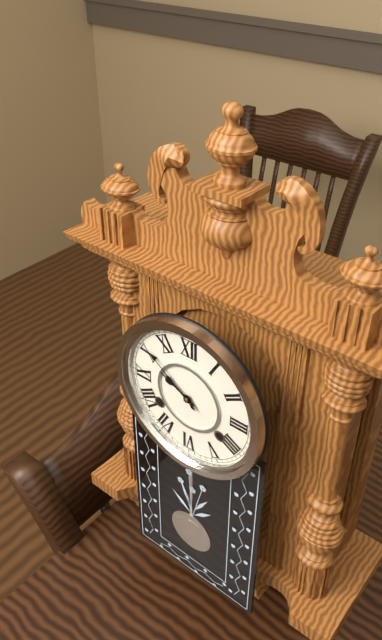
{"hour": 9, "minute": 51}
